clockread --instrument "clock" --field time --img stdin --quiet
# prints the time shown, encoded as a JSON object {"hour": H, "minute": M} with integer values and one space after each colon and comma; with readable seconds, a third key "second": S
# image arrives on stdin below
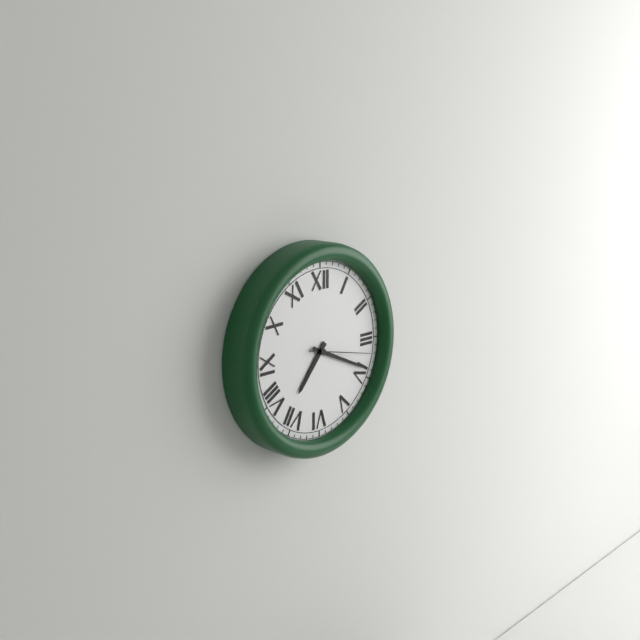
{"hour": 7, "minute": 19, "second": 17}
